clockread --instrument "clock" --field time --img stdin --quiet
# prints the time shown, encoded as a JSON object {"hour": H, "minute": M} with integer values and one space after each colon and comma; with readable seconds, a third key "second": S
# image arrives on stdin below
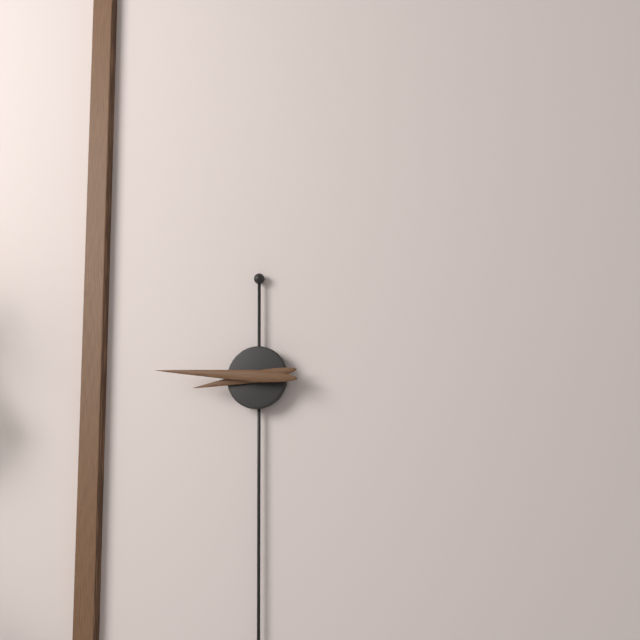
{"hour": 8, "minute": 46}
